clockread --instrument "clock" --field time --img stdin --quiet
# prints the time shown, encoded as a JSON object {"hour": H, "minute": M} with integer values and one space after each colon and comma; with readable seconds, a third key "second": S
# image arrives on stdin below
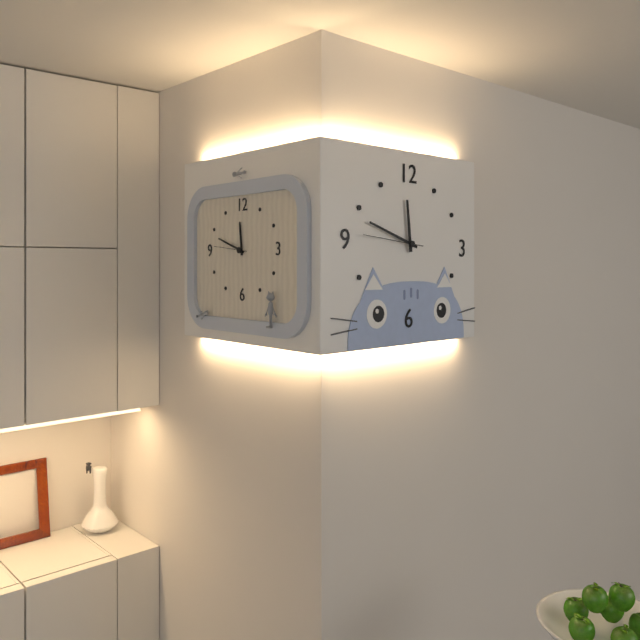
{"hour": 11, "minute": 48, "second": 46}
